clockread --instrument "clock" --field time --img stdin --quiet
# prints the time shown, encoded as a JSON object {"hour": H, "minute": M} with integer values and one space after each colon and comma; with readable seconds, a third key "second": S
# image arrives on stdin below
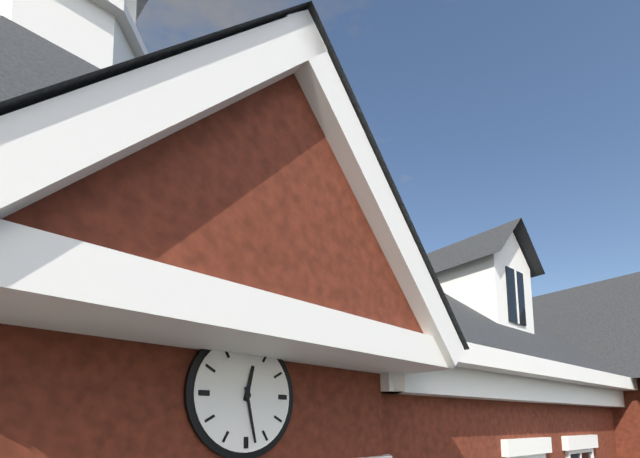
{"hour": 12, "minute": 28}
